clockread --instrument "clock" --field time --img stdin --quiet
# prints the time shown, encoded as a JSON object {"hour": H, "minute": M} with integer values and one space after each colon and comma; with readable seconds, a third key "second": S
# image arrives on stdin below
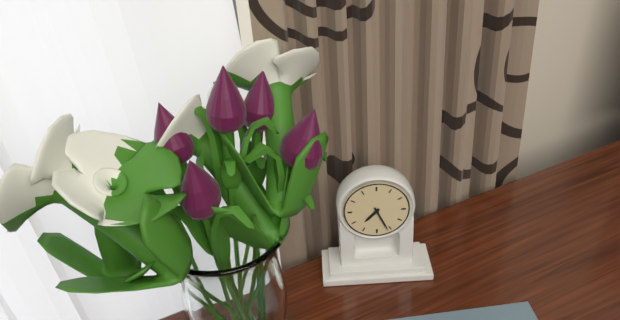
{"hour": 7, "minute": 26}
